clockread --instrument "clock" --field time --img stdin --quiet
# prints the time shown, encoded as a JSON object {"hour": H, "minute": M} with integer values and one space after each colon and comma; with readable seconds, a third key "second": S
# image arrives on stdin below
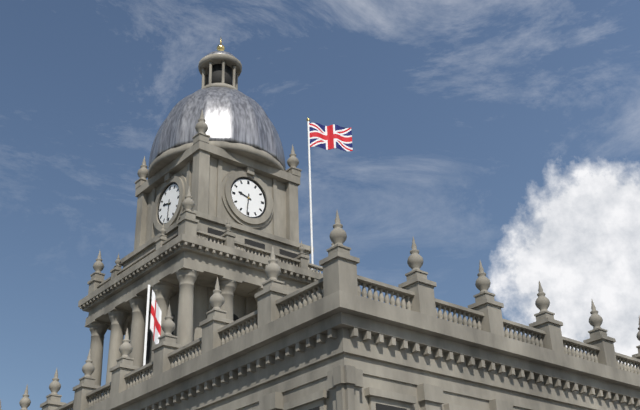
{"hour": 9, "minute": 31}
